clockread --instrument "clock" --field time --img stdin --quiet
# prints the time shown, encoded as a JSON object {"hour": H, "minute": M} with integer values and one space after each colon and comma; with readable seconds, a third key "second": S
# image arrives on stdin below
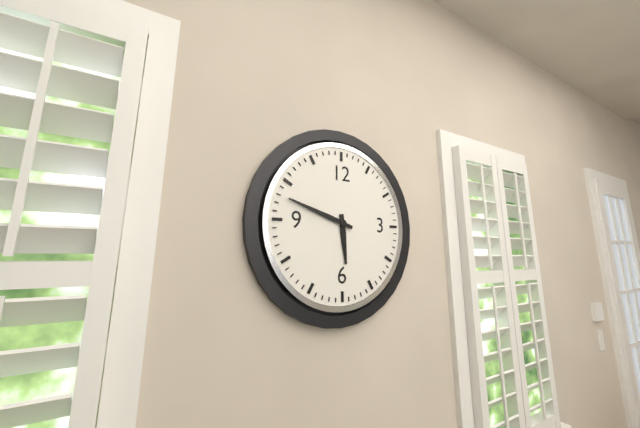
{"hour": 5, "minute": 48}
